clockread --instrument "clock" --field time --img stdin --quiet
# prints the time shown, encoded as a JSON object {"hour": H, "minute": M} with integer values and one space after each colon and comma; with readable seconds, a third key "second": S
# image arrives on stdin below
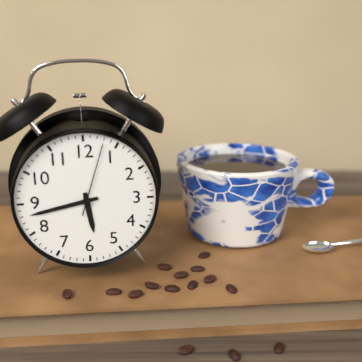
{"hour": 5, "minute": 43, "second": 3}
